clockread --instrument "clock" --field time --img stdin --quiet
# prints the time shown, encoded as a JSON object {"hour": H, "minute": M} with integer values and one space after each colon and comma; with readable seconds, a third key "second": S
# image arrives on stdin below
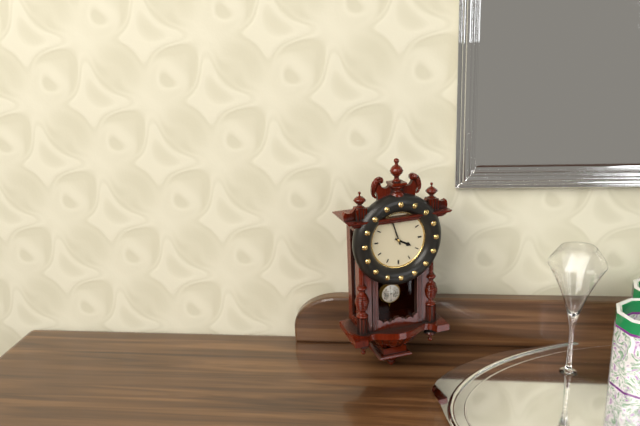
{"hour": 3, "minute": 57}
